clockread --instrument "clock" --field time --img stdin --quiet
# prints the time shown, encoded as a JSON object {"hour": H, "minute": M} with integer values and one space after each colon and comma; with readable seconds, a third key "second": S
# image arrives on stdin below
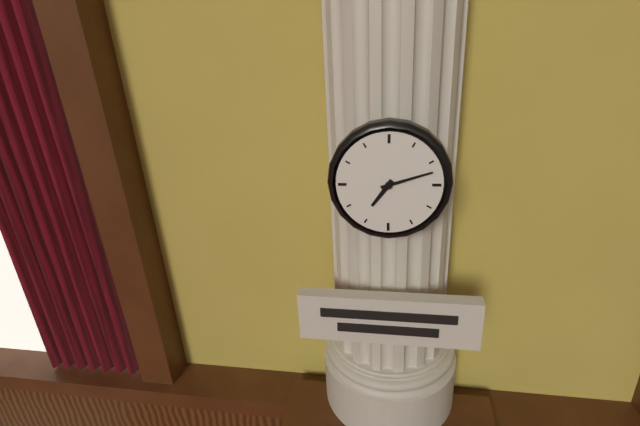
{"hour": 7, "minute": 12}
